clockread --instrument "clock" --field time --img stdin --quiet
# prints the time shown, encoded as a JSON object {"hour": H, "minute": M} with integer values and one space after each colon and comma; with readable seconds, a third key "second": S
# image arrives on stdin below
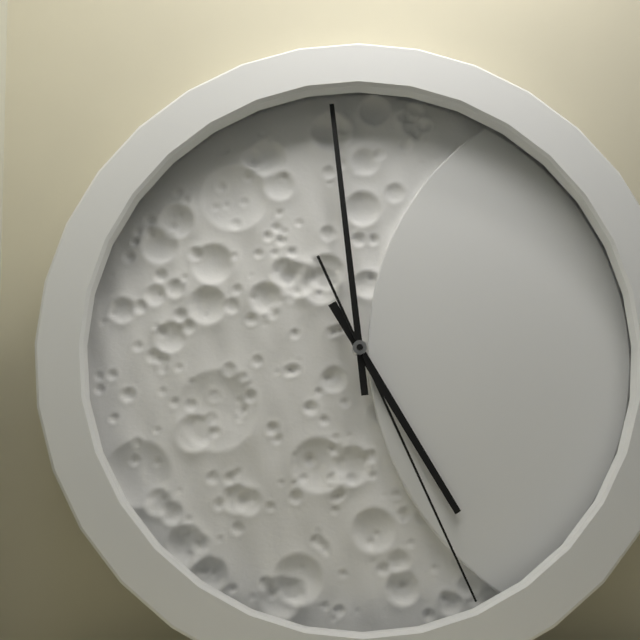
{"hour": 4, "minute": 59, "second": 26}
